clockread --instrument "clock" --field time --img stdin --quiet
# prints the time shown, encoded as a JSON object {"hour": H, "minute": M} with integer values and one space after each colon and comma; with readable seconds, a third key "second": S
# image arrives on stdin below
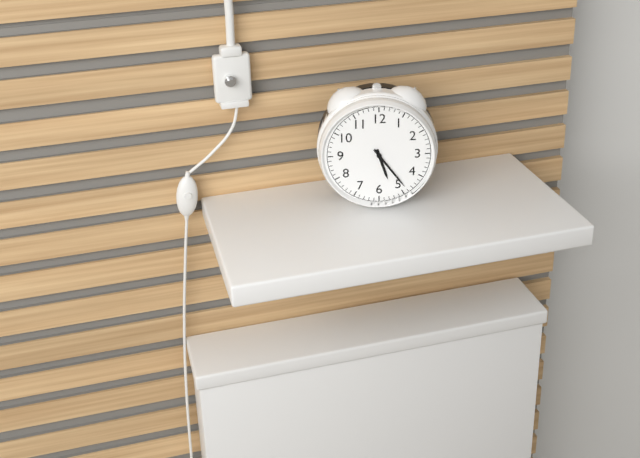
{"hour": 5, "minute": 24}
